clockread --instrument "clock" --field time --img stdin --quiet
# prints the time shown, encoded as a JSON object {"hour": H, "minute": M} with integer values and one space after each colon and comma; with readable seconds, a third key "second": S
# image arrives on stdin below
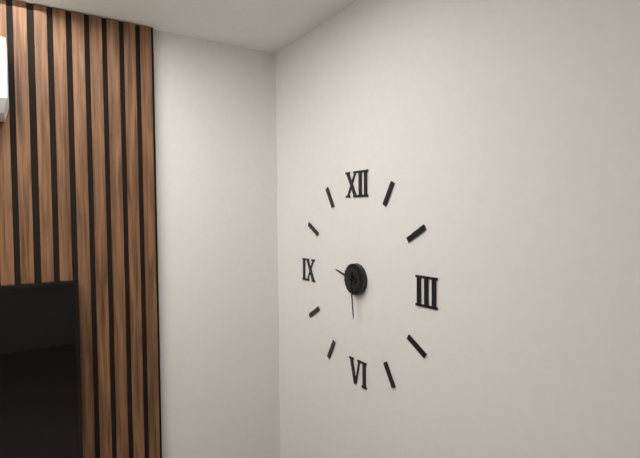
{"hour": 9, "minute": 29}
